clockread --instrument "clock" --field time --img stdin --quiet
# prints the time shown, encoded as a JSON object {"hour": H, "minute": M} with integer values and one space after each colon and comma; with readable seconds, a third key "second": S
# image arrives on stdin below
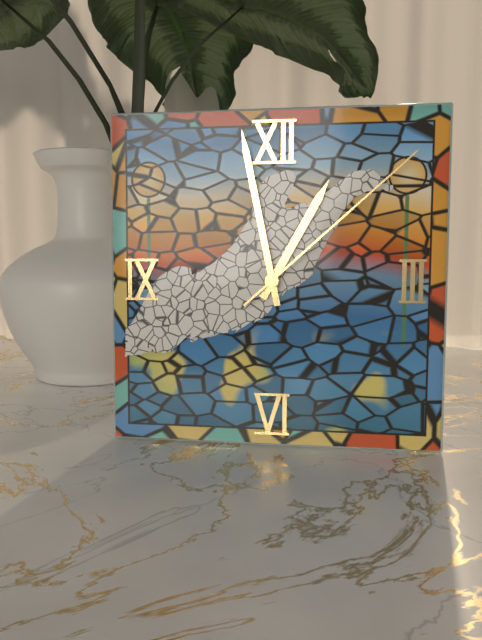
{"hour": 12, "minute": 58, "second": 8}
